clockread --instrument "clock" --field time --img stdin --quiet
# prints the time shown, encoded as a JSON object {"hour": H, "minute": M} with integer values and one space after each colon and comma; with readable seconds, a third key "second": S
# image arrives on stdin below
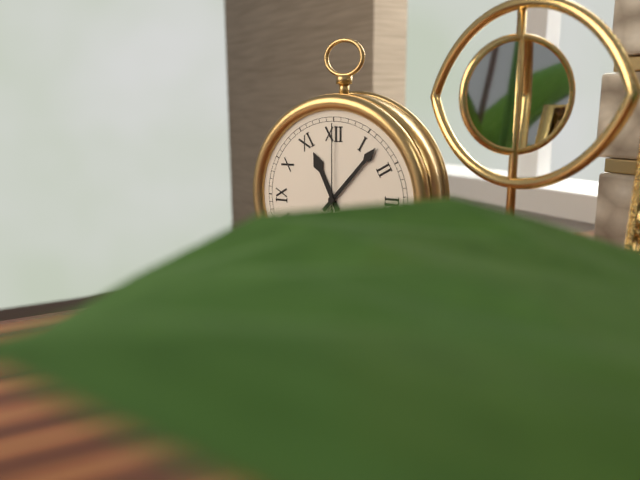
{"hour": 11, "minute": 7, "second": 0}
